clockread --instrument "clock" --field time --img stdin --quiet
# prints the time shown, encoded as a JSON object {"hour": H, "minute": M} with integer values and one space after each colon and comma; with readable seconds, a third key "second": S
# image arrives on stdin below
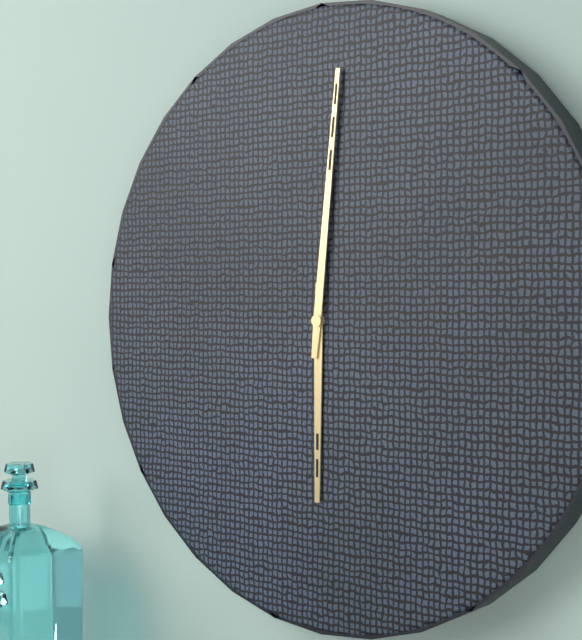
{"hour": 6, "minute": 1}
